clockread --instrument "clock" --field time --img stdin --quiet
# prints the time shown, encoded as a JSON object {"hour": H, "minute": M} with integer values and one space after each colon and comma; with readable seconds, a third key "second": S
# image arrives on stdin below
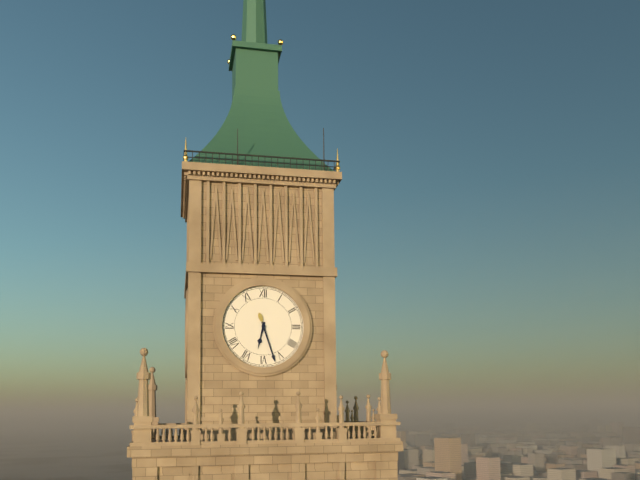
{"hour": 6, "minute": 27}
